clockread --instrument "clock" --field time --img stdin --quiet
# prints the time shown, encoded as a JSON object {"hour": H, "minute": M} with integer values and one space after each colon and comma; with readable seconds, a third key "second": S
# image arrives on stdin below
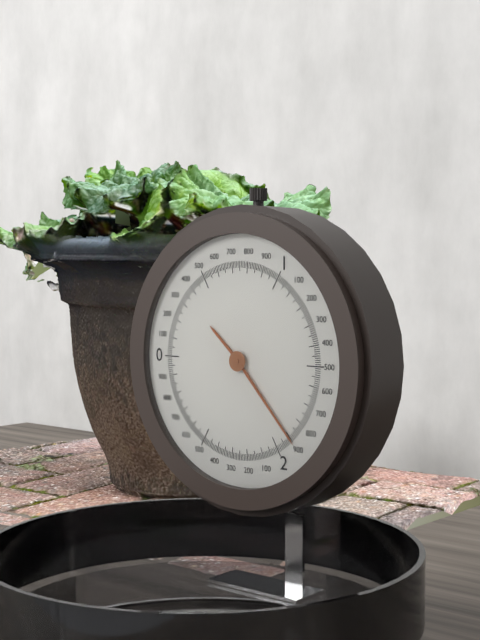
{"hour": 10, "minute": 23}
